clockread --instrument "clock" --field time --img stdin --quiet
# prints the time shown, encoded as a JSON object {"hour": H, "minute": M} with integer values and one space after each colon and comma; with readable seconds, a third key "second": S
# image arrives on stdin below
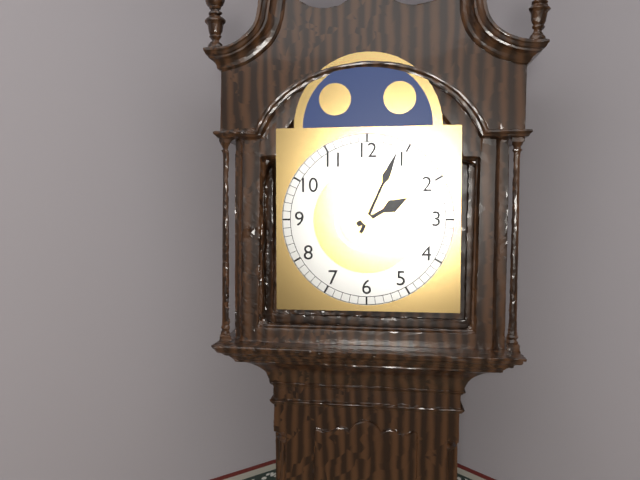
{"hour": 2, "minute": 4}
